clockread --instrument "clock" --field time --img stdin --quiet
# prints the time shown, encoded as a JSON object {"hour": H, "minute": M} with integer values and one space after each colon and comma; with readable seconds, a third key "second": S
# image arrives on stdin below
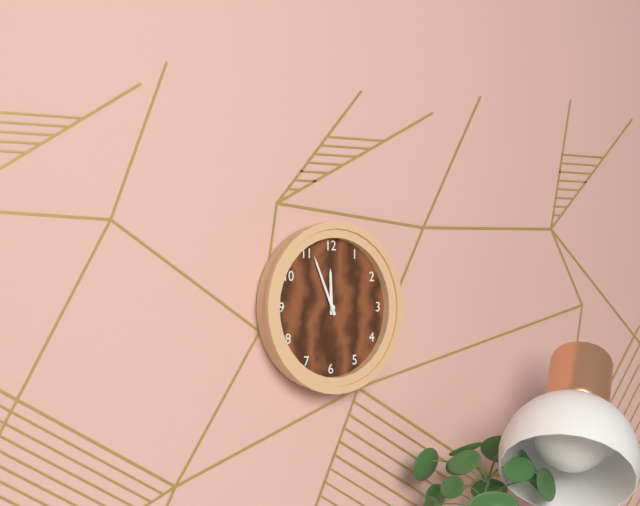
{"hour": 11, "minute": 56}
